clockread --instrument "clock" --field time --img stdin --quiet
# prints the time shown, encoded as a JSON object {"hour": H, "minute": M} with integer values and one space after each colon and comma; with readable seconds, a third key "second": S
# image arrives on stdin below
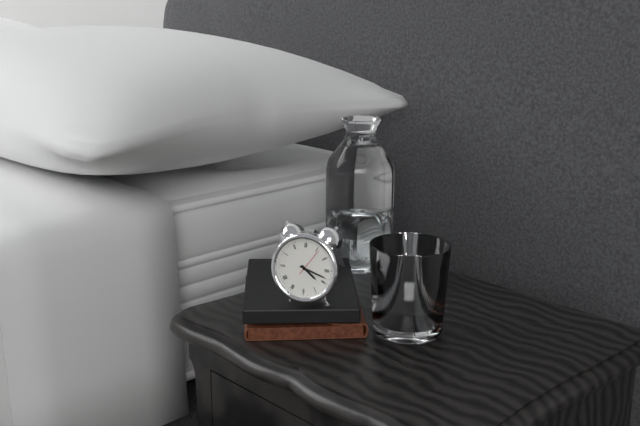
{"hour": 4, "minute": 18}
